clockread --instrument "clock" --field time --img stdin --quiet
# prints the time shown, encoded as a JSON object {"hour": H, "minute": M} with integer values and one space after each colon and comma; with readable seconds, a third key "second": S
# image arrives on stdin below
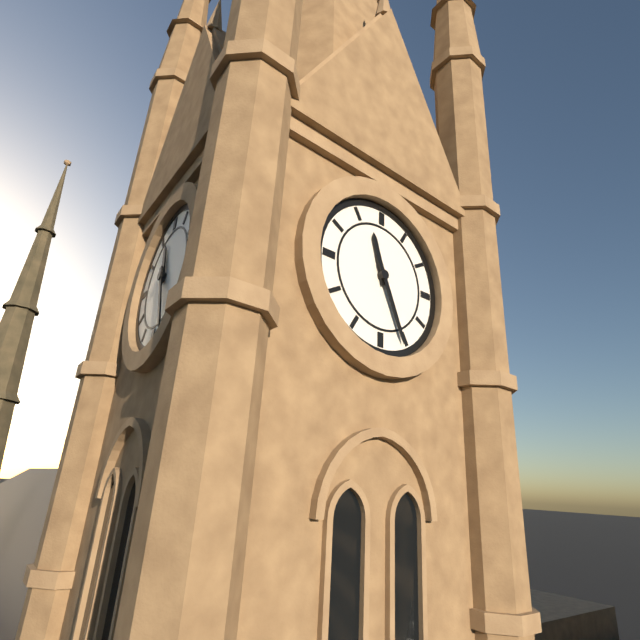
{"hour": 11, "minute": 26}
